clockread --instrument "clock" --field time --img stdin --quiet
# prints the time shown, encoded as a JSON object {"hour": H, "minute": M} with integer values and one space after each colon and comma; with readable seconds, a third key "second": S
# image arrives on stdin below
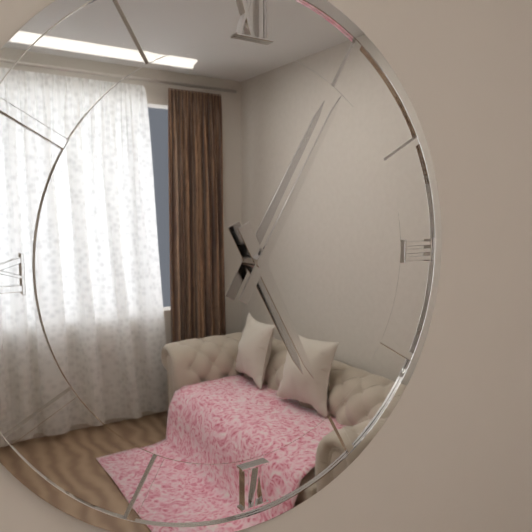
{"hour": 5, "minute": 5}
